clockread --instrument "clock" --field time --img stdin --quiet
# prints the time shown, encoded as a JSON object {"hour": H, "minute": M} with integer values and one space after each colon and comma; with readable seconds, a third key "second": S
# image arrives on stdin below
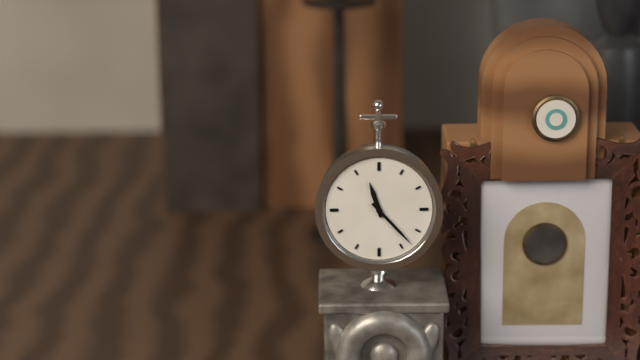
{"hour": 11, "minute": 23}
